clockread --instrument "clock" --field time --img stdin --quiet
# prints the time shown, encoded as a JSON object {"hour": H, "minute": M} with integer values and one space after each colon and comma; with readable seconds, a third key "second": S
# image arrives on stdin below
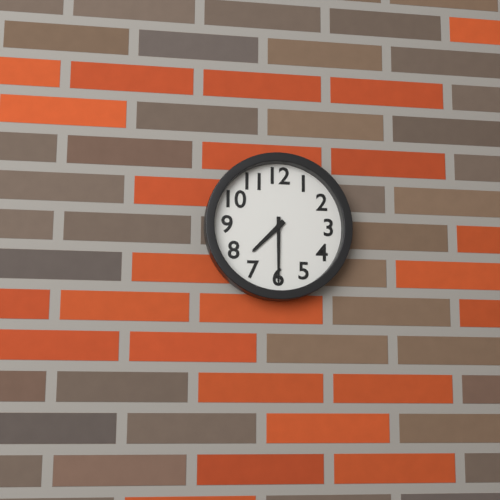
{"hour": 7, "minute": 30}
